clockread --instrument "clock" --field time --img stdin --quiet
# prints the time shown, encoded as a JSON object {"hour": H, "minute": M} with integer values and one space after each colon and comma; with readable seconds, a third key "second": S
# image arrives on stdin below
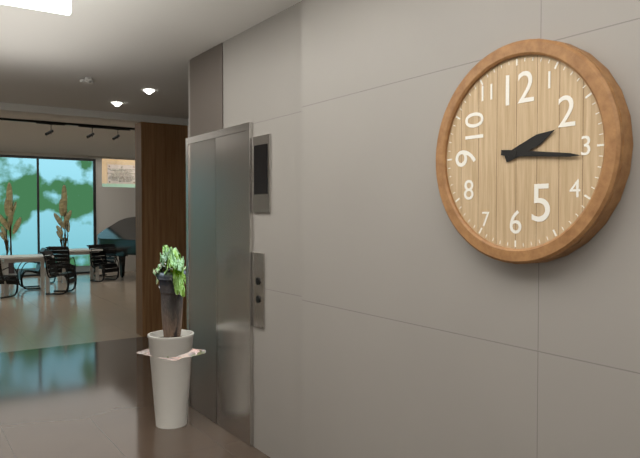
{"hour": 2, "minute": 16}
